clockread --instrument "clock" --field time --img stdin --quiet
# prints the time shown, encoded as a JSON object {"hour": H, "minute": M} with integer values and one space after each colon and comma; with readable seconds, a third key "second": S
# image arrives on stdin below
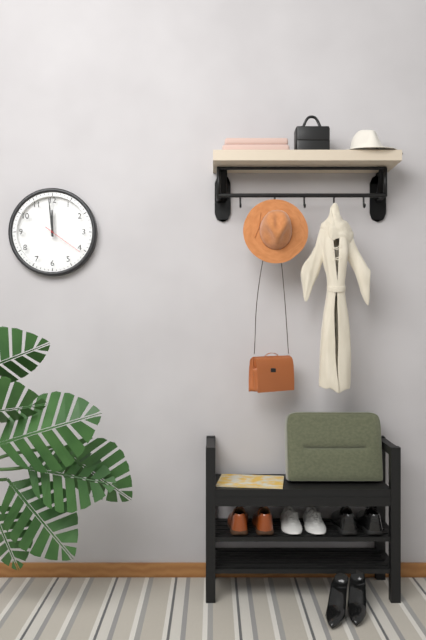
{"hour": 11, "minute": 59}
